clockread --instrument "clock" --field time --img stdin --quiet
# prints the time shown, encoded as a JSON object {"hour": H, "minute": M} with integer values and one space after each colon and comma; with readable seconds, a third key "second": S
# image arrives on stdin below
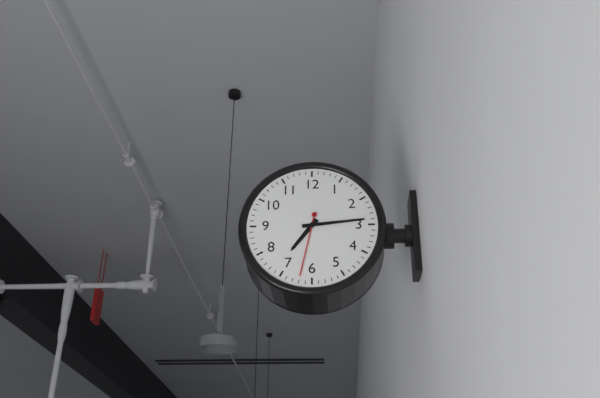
{"hour": 7, "minute": 14, "second": 32}
